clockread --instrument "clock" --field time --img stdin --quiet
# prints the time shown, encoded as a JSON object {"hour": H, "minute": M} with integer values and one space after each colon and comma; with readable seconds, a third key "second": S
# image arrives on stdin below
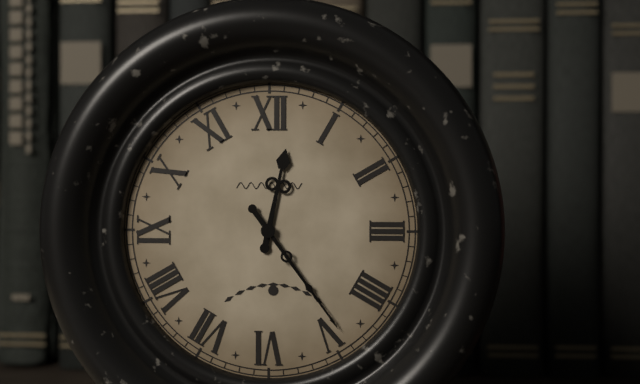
{"hour": 12, "minute": 24}
